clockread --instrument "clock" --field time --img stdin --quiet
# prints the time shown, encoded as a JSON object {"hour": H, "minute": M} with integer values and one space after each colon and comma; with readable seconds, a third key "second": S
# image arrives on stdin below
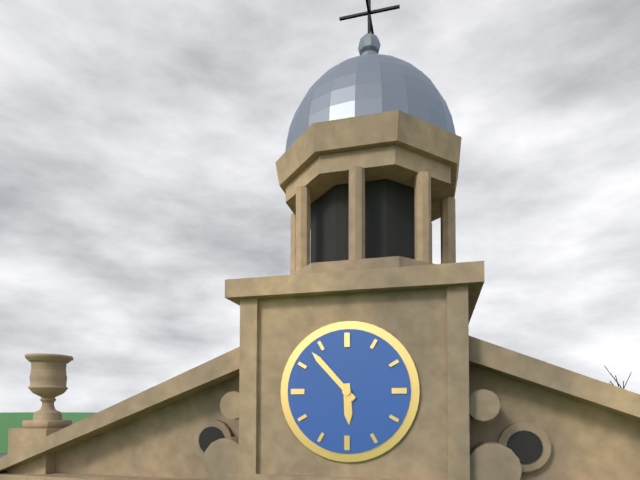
{"hour": 5, "minute": 53}
